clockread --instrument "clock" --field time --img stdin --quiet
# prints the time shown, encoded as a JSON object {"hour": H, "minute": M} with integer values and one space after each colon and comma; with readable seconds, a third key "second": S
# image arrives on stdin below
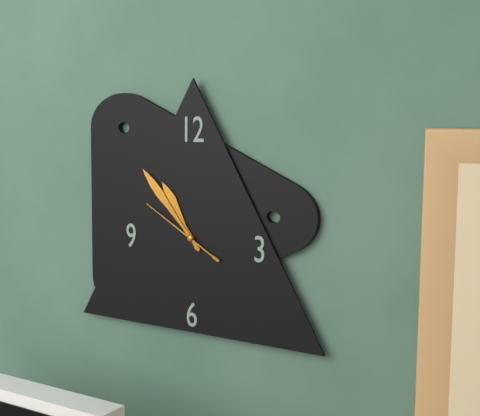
{"hour": 10, "minute": 53, "second": 50}
